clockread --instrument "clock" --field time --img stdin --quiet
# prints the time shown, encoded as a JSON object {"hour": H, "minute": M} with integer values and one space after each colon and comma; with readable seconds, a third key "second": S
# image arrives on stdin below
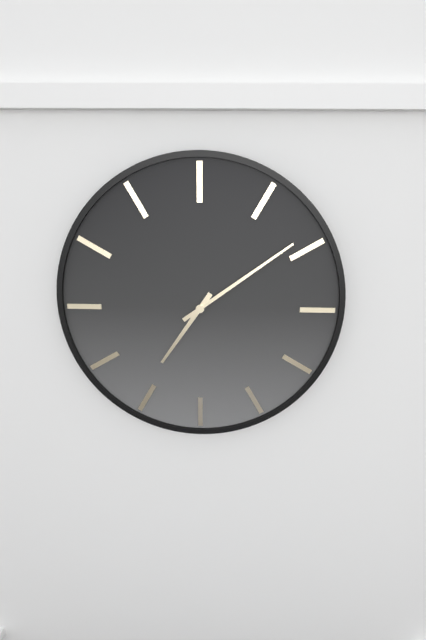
{"hour": 7, "minute": 9}
